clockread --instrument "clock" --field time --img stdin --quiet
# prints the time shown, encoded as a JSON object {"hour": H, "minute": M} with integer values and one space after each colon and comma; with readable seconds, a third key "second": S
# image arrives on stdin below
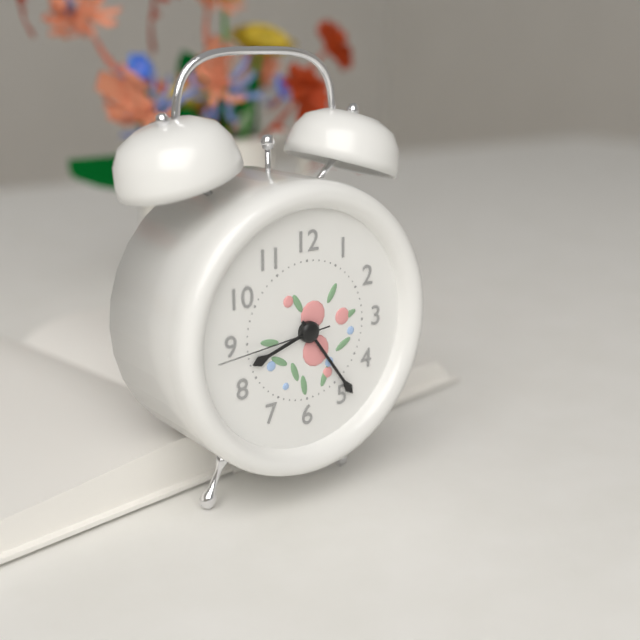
{"hour": 8, "minute": 24, "second": 44}
